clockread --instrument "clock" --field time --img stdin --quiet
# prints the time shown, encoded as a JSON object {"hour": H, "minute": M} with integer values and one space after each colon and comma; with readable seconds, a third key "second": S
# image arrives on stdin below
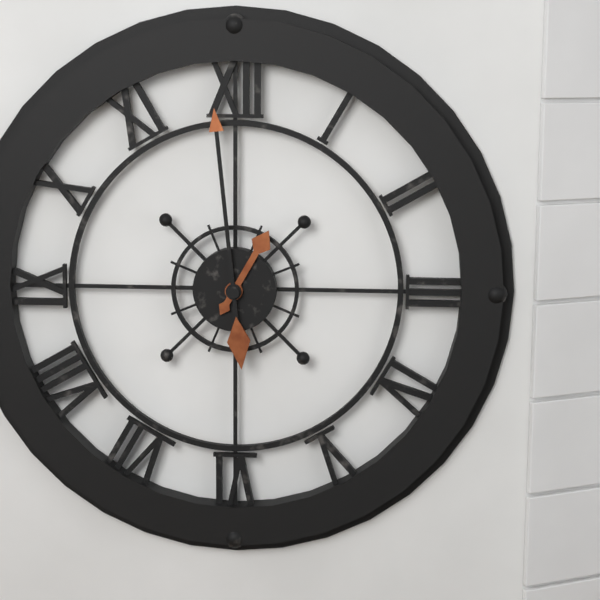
{"hour": 12, "minute": 59}
